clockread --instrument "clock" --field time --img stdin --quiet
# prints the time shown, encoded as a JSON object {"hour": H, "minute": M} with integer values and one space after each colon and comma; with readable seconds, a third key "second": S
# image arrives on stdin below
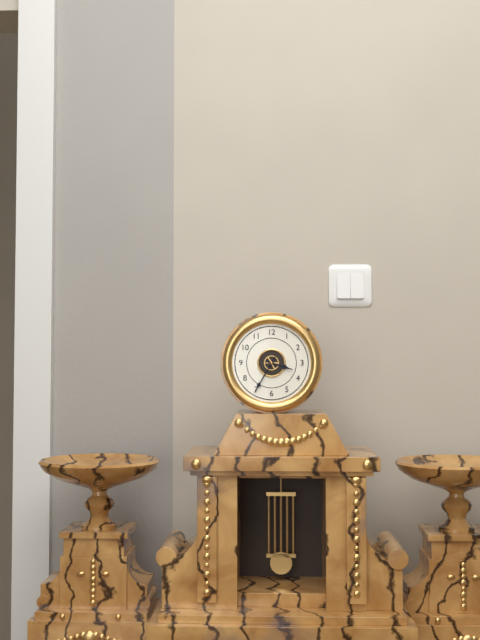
{"hour": 3, "minute": 35}
